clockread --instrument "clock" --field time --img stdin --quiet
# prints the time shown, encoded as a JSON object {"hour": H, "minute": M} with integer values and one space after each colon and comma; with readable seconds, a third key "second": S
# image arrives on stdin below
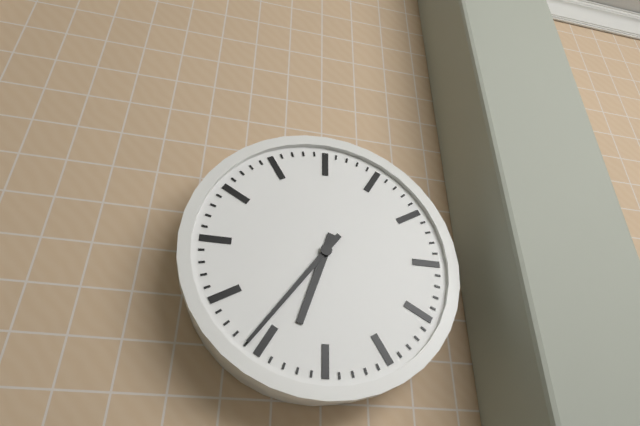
{"hour": 6, "minute": 36}
